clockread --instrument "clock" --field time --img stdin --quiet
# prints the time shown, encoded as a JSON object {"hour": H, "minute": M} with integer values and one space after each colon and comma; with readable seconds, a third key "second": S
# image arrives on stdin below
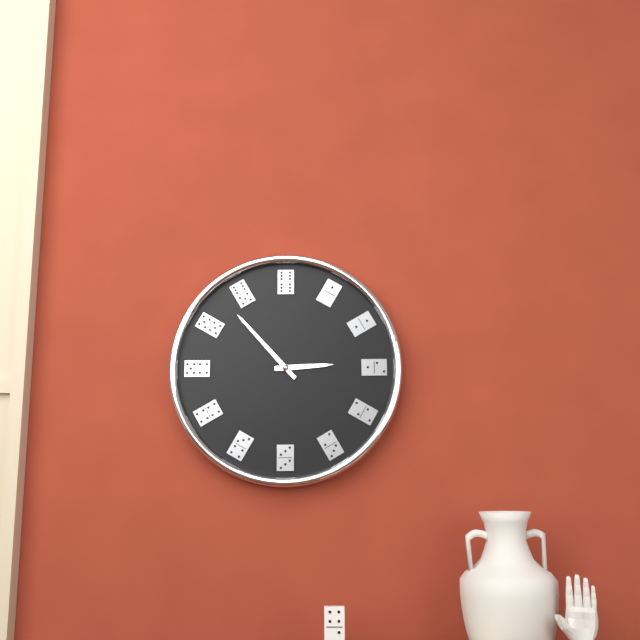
{"hour": 2, "minute": 53}
